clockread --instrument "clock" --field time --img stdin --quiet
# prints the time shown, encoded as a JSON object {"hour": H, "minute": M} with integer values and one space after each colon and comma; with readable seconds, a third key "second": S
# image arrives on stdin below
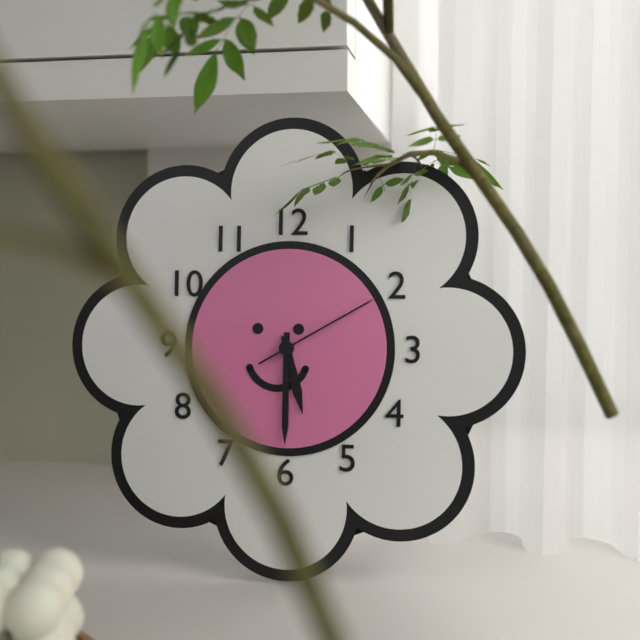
{"hour": 5, "minute": 30, "second": 10}
